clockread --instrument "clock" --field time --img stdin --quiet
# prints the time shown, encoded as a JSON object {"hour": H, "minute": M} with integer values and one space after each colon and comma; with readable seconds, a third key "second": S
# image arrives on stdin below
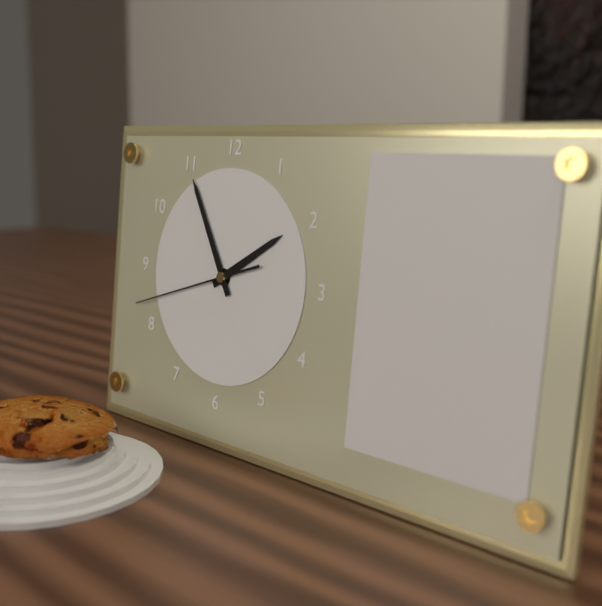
{"hour": 1, "minute": 55, "second": 42}
